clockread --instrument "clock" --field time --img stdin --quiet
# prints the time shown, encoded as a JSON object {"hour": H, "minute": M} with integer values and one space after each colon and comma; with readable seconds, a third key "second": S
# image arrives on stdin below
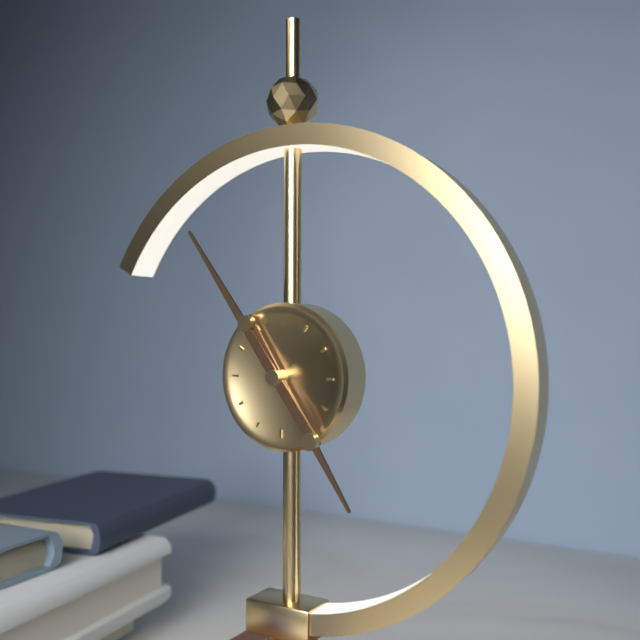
{"hour": 4, "minute": 54}
